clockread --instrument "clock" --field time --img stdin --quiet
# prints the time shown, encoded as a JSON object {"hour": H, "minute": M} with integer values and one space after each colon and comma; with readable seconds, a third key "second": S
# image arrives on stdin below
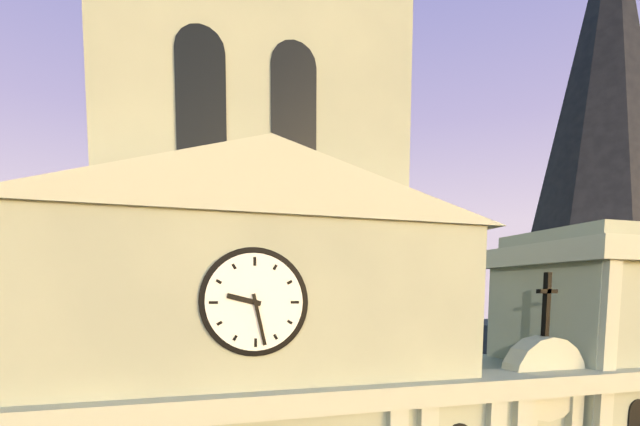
{"hour": 9, "minute": 28}
